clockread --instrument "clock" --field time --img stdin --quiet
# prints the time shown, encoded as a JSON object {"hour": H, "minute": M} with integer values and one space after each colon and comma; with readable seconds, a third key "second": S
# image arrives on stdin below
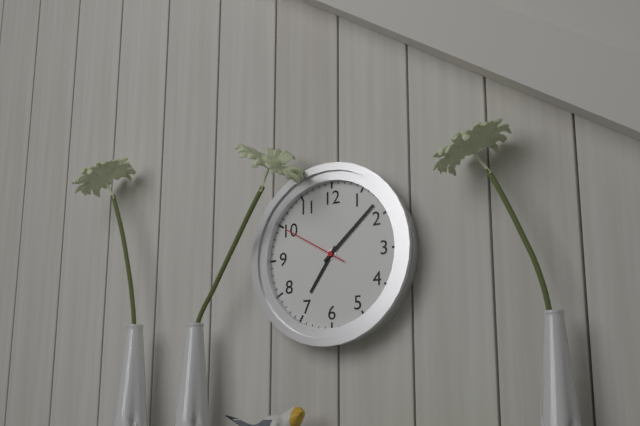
{"hour": 7, "minute": 8, "second": 50}
